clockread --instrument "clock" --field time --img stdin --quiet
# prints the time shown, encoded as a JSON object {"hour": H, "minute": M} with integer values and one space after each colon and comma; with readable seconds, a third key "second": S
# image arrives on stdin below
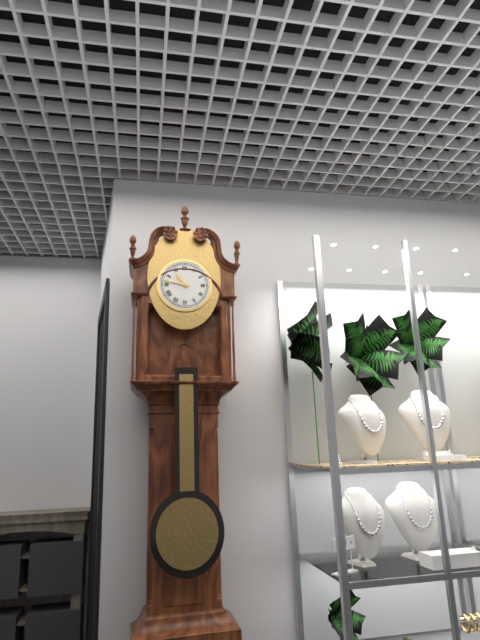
{"hour": 10, "minute": 47}
